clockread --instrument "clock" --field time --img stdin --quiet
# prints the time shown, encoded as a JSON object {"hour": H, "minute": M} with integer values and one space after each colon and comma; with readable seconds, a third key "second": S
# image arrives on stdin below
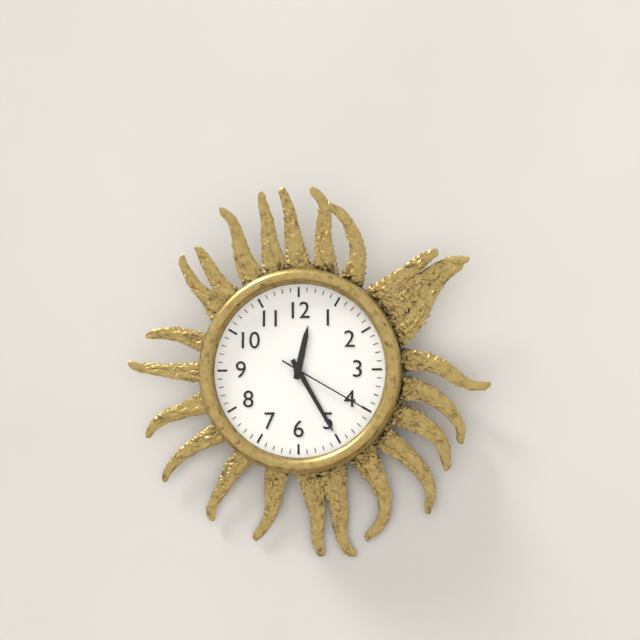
{"hour": 12, "minute": 25, "second": 20}
